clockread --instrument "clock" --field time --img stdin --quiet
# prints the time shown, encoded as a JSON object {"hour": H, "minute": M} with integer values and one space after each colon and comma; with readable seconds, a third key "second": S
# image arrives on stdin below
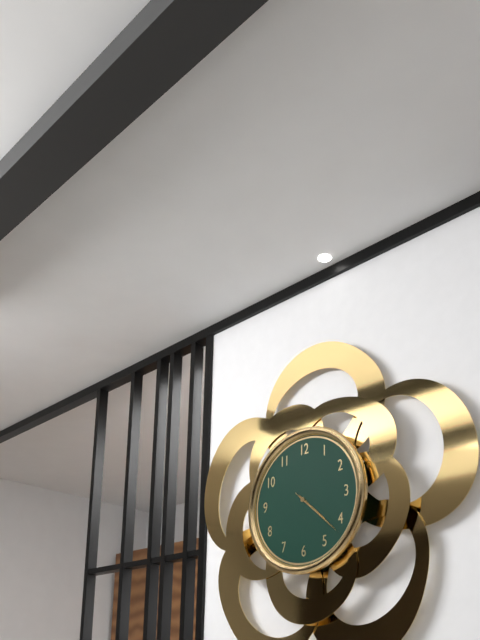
{"hour": 4, "minute": 22, "second": 22}
